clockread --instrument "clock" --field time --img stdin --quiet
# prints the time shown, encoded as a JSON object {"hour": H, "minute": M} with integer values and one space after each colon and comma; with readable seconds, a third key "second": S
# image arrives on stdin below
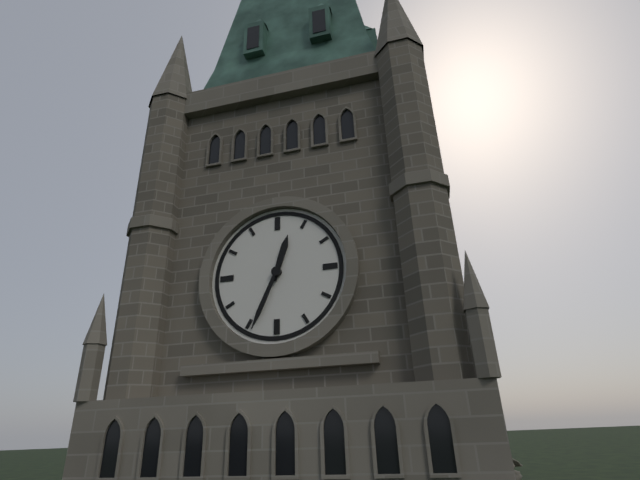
{"hour": 12, "minute": 34}
